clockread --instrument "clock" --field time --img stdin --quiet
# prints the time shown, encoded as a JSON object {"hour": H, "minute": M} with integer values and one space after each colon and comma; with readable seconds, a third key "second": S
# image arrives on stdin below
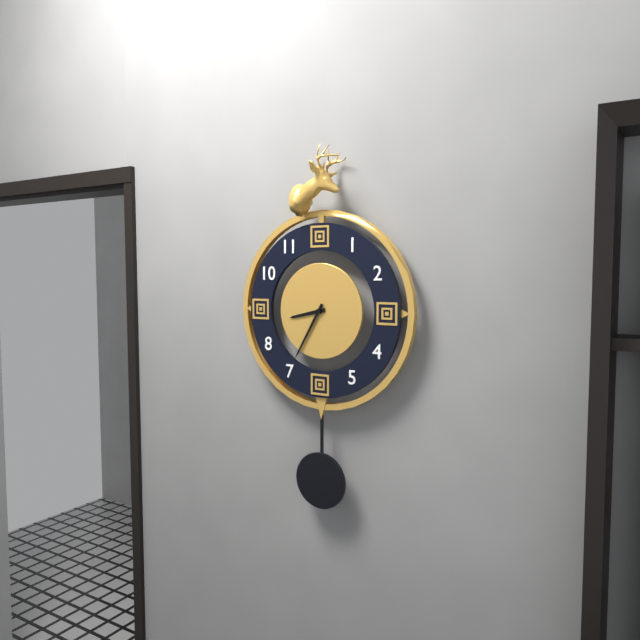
{"hour": 8, "minute": 35}
